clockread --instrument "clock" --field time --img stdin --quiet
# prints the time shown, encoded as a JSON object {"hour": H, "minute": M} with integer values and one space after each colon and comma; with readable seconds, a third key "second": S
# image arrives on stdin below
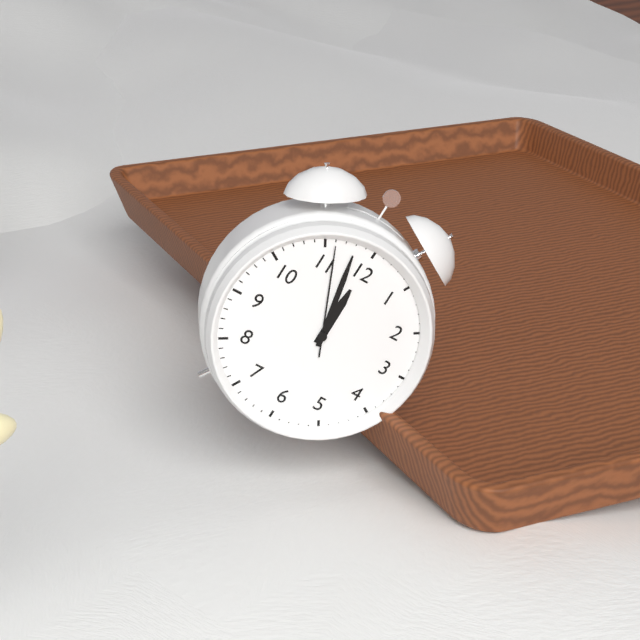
{"hour": 11, "minute": 58, "second": 56}
